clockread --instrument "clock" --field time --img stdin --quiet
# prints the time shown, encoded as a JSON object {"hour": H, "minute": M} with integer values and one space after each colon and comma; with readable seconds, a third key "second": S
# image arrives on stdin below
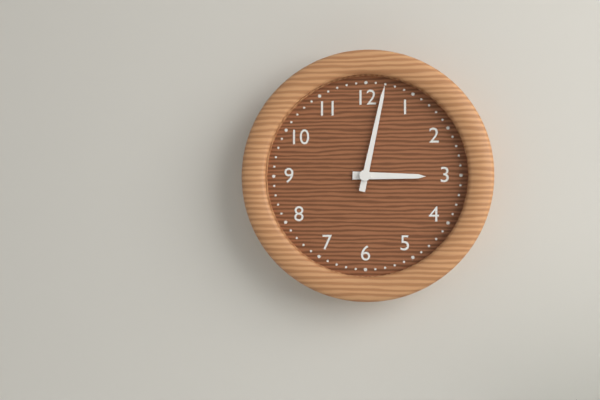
{"hour": 3, "minute": 2}
